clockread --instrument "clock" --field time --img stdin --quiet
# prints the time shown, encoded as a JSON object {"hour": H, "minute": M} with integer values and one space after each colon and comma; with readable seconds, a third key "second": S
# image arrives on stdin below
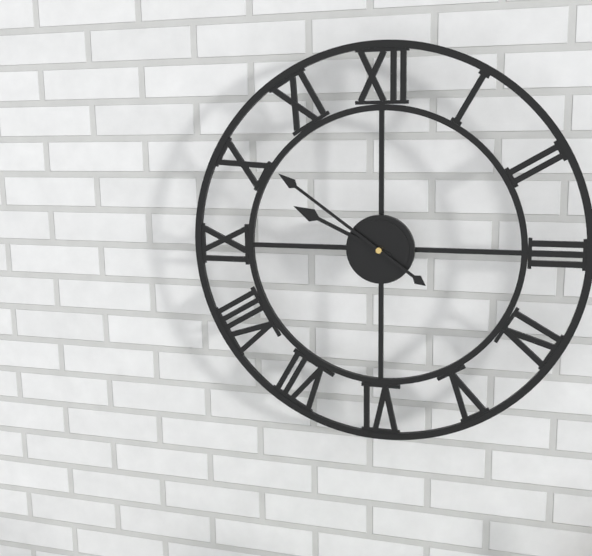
{"hour": 9, "minute": 51}
